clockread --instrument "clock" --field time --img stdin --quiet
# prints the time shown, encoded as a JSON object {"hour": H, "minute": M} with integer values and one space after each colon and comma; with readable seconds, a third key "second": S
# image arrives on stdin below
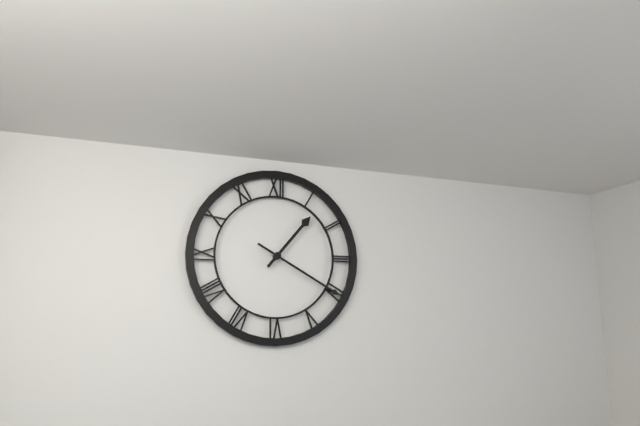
{"hour": 1, "minute": 20}
